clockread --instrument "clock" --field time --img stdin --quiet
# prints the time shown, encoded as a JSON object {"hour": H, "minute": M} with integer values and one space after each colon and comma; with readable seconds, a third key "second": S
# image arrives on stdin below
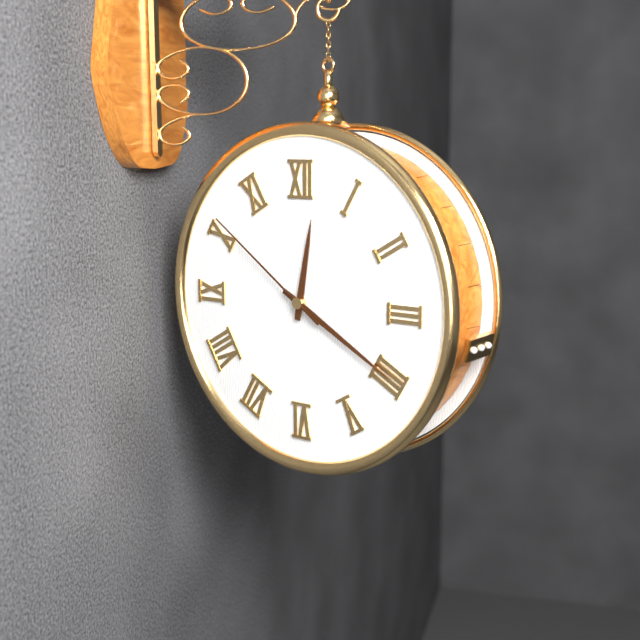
{"hour": 12, "minute": 20, "second": 51}
